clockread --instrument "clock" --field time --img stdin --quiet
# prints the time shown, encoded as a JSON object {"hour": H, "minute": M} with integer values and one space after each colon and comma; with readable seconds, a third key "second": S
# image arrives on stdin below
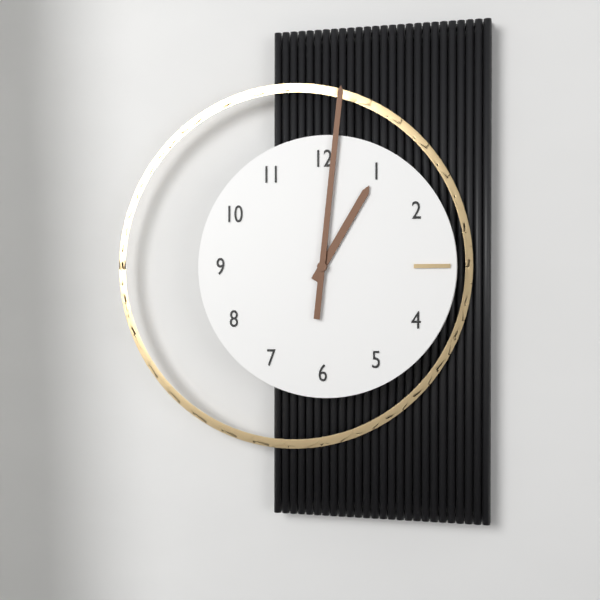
{"hour": 1, "minute": 1}
